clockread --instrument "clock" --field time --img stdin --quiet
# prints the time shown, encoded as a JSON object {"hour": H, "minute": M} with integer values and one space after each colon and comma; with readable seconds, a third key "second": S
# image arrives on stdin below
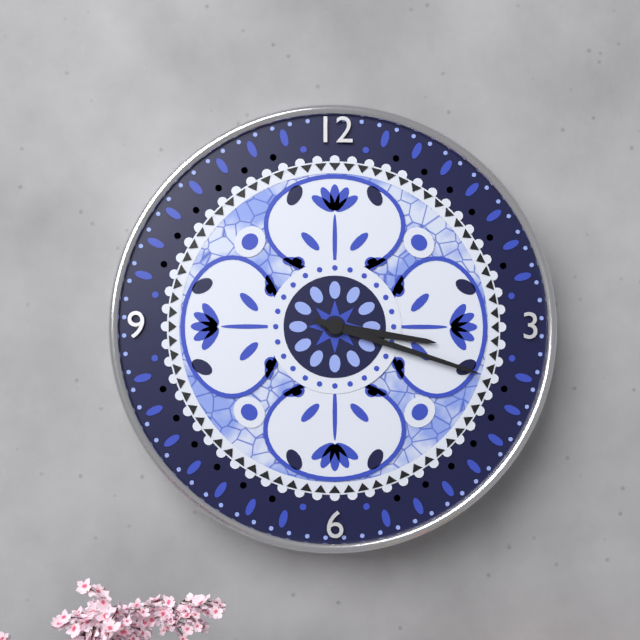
{"hour": 3, "minute": 18}
